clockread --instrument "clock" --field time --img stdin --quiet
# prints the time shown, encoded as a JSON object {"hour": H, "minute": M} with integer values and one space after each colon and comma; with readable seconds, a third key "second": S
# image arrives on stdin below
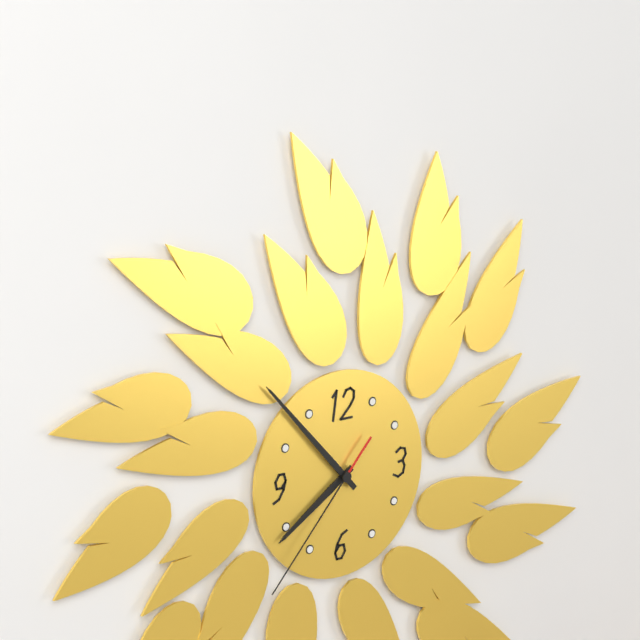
{"hour": 7, "minute": 53, "second": 37}
